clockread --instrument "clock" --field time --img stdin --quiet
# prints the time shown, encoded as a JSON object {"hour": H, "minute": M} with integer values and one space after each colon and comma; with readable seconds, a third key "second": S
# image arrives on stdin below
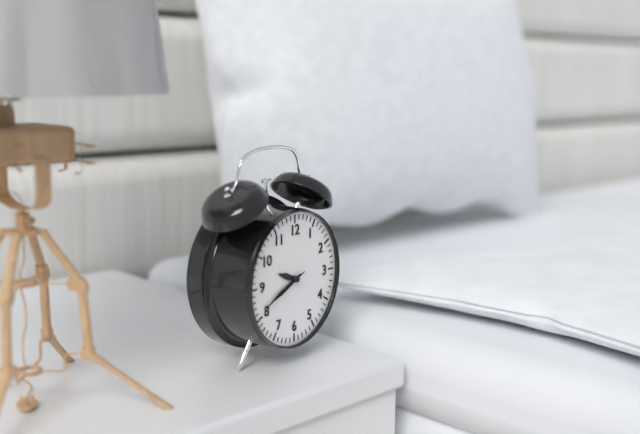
{"hour": 9, "minute": 41}
